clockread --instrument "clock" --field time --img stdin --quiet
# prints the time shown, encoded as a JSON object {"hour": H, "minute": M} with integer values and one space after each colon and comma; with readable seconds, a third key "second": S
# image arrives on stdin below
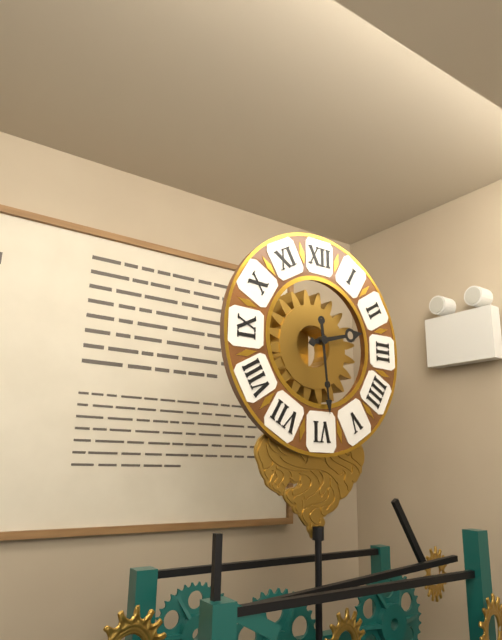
{"hour": 2, "minute": 29}
